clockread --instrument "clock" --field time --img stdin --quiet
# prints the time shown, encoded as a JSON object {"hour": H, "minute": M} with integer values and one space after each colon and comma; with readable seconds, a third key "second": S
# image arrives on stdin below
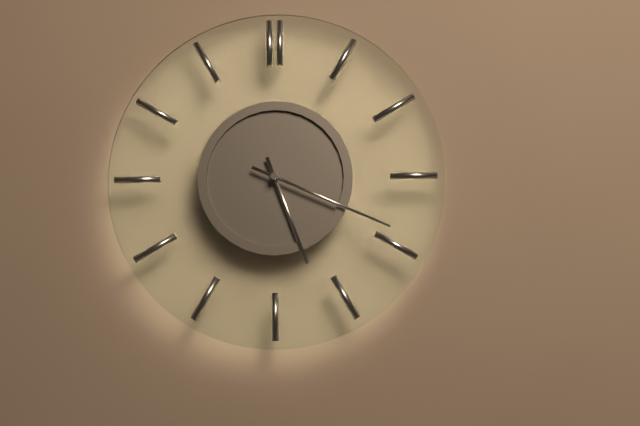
{"hour": 5, "minute": 19}
